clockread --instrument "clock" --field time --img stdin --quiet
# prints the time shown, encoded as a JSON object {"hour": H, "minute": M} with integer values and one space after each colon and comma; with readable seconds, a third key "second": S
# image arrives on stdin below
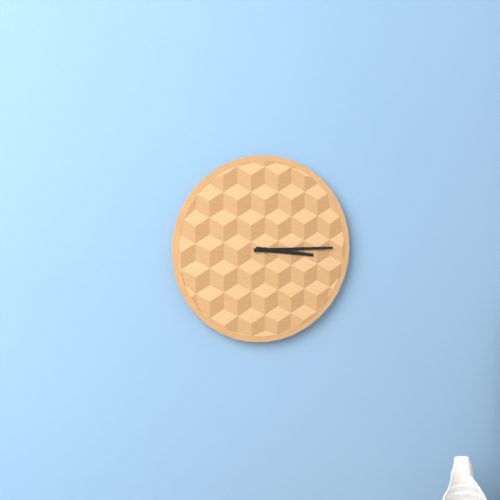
{"hour": 3, "minute": 15}
